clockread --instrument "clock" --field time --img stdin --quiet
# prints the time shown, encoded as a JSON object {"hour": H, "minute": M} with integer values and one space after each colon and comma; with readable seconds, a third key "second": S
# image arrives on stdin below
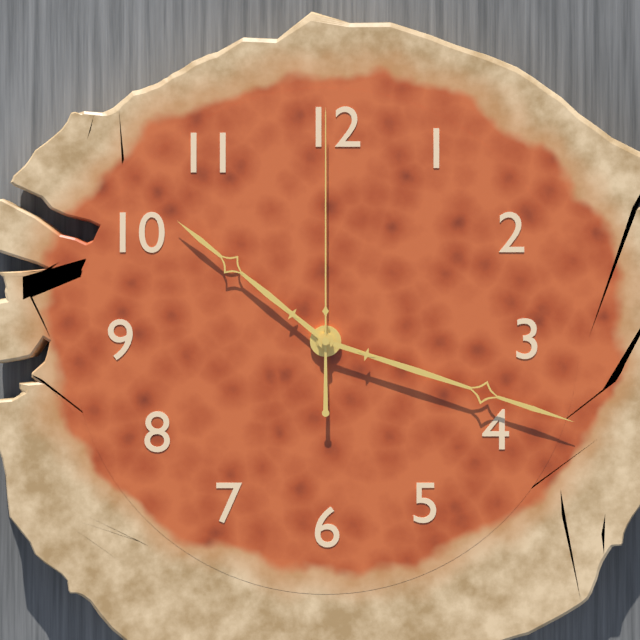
{"hour": 10, "minute": 18, "second": 0}
